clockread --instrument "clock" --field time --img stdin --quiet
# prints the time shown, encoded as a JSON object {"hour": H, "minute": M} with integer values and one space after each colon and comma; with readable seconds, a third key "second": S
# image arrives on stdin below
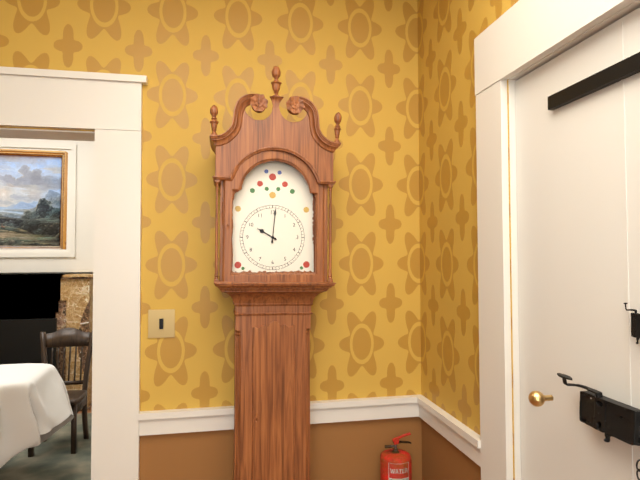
{"hour": 10, "minute": 1}
